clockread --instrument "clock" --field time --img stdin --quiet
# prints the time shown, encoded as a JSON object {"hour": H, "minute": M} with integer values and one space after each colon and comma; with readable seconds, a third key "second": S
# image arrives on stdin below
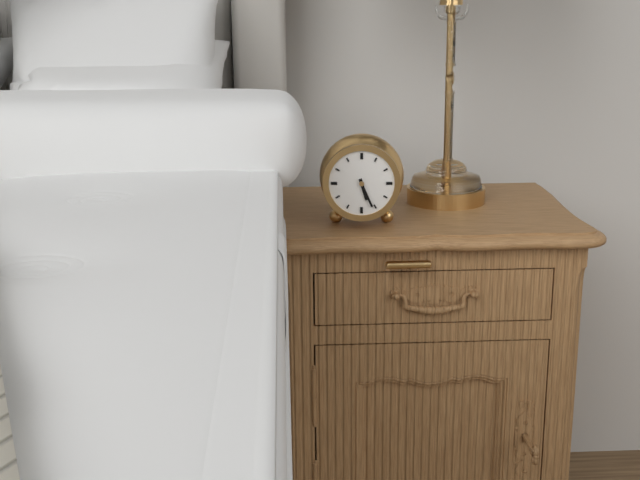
{"hour": 5, "minute": 26}
